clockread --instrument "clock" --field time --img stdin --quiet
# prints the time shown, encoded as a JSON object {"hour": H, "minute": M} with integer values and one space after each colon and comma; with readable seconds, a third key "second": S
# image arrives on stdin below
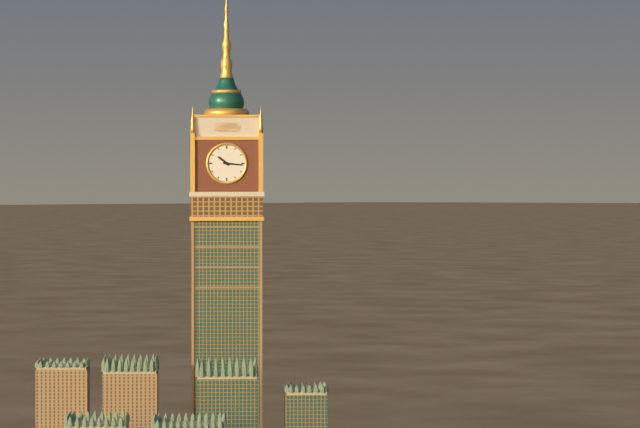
{"hour": 10, "minute": 16}
